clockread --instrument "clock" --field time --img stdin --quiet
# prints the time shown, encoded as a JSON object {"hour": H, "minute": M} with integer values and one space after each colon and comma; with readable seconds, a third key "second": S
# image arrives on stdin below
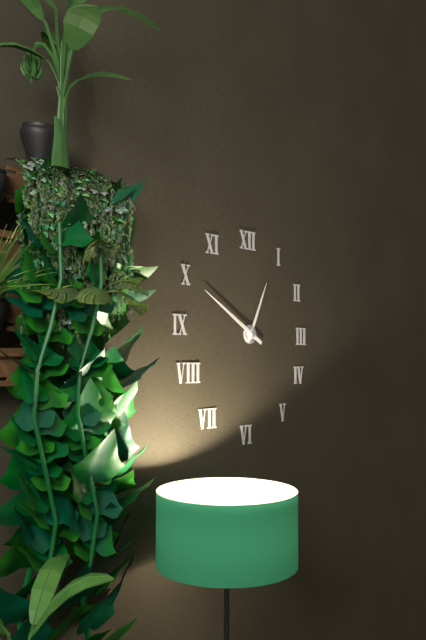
{"hour": 12, "minute": 50}
